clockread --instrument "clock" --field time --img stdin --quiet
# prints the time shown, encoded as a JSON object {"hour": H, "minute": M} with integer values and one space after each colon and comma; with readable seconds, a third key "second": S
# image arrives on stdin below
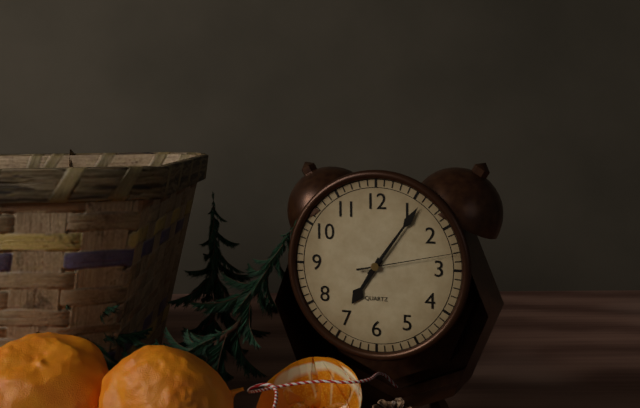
{"hour": 7, "minute": 6, "second": 13}
